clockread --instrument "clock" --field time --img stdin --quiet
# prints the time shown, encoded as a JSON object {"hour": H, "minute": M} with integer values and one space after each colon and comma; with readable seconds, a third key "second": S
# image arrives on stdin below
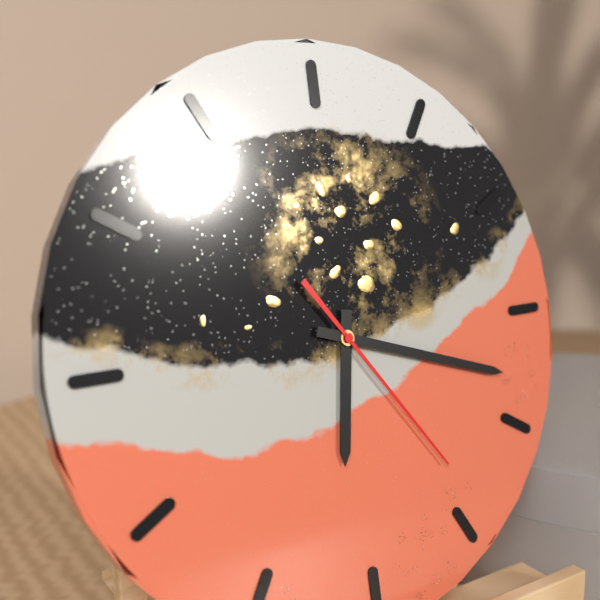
{"hour": 6, "minute": 18, "second": 24}
